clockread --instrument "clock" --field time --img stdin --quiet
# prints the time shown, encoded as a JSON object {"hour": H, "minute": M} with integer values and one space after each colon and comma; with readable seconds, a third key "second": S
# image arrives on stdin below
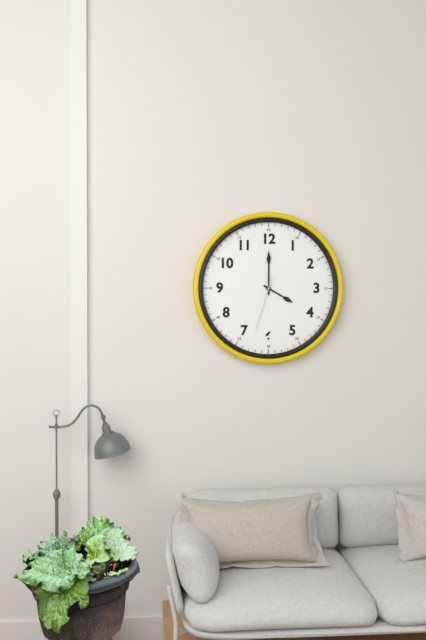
{"hour": 4, "minute": 0, "second": 33}
